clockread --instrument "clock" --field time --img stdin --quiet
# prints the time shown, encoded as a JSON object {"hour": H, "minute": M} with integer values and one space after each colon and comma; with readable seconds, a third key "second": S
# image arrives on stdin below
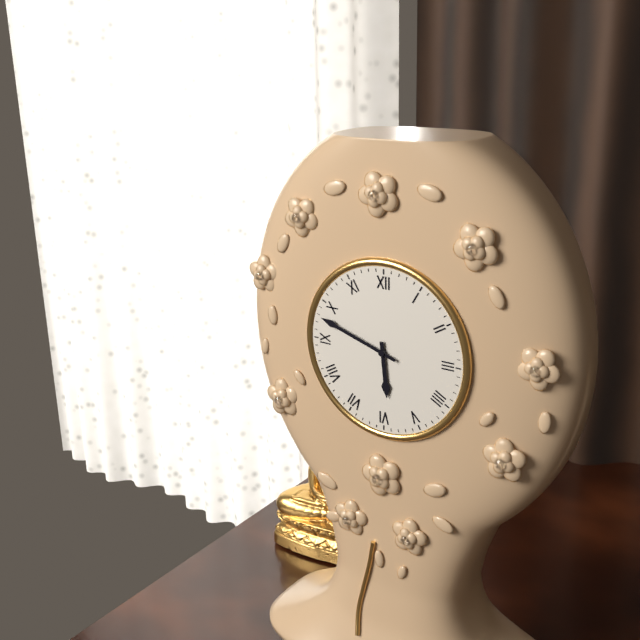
{"hour": 5, "minute": 48}
